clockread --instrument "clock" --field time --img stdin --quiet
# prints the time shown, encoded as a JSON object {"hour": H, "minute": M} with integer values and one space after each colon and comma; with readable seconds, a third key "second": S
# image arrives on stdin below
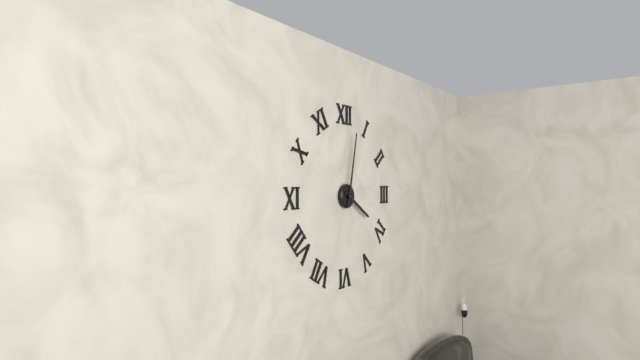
{"hour": 4, "minute": 2}
